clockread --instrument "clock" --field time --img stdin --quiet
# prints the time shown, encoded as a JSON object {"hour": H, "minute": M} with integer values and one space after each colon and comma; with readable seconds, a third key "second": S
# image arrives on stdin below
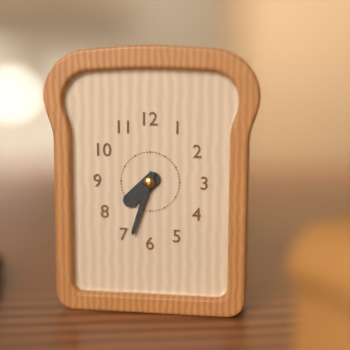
{"hour": 7, "minute": 33}
